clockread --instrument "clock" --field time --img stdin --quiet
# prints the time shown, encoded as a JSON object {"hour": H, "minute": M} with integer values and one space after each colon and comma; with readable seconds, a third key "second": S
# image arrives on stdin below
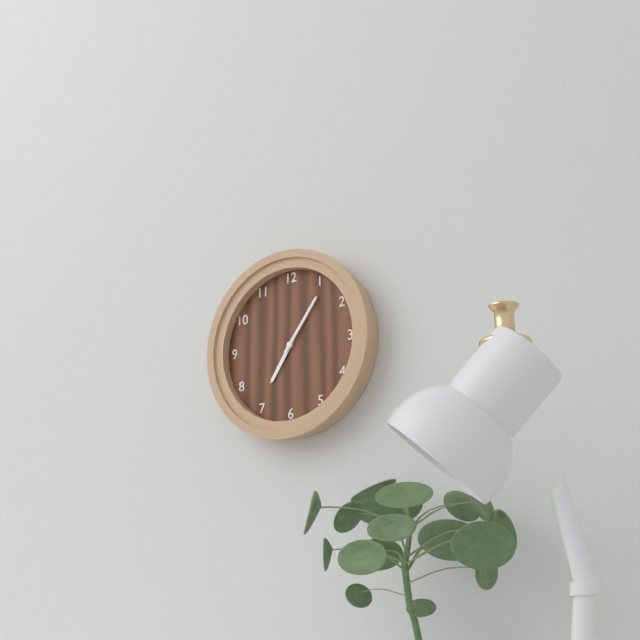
{"hour": 7, "minute": 6}
